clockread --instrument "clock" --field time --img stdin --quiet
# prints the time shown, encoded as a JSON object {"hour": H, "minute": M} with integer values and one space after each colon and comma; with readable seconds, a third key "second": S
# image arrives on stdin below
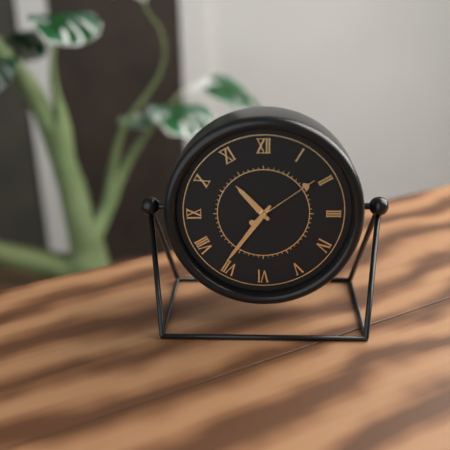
{"hour": 10, "minute": 36, "second": 9}
